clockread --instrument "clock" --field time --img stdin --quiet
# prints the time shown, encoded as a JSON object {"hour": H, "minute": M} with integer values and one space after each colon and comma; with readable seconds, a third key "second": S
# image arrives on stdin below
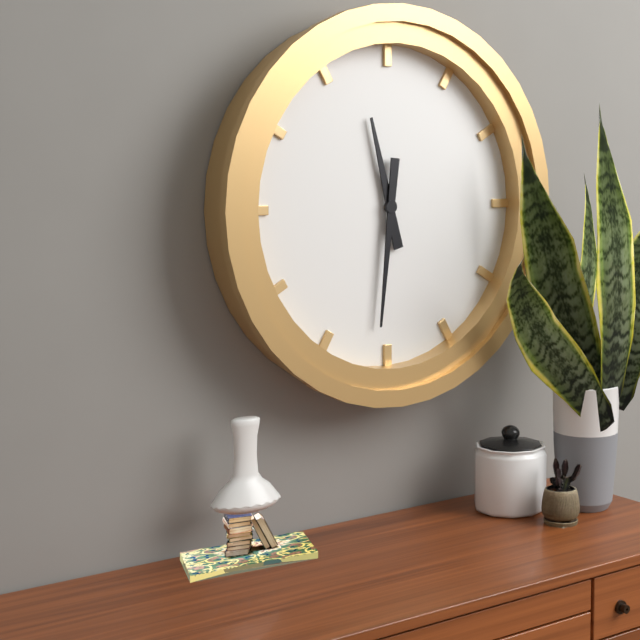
{"hour": 11, "minute": 31}
